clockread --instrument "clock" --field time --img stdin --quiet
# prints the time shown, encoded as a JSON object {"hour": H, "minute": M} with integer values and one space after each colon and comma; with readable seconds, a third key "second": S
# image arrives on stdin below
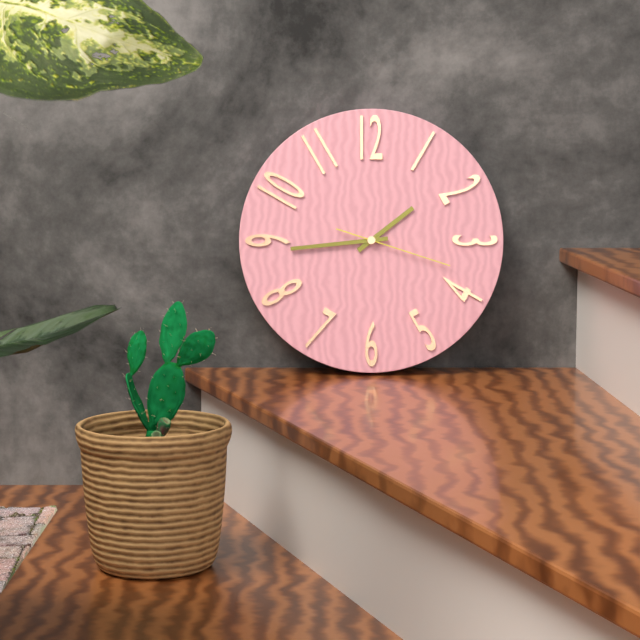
{"hour": 1, "minute": 44, "second": 18}
